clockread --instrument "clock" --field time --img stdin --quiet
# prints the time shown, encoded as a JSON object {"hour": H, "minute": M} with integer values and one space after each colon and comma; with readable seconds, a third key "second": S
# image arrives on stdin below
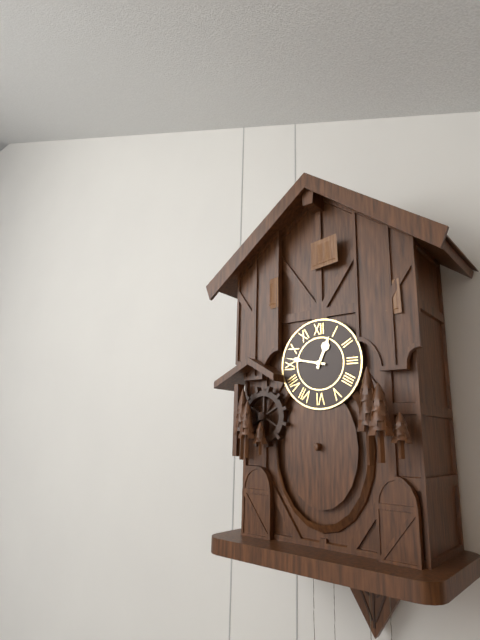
{"hour": 12, "minute": 47}
